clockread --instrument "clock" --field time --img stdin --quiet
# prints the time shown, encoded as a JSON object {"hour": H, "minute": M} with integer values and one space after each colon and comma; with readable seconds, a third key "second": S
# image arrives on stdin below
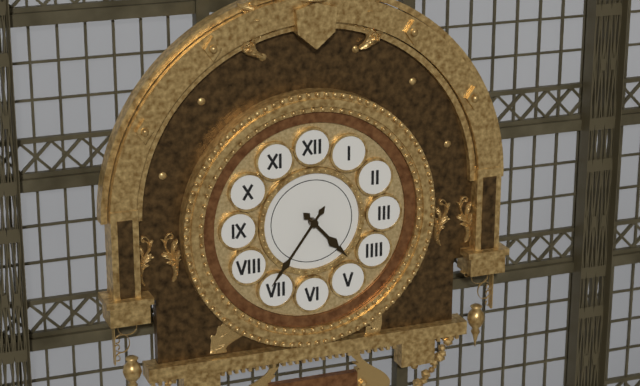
{"hour": 4, "minute": 36}
